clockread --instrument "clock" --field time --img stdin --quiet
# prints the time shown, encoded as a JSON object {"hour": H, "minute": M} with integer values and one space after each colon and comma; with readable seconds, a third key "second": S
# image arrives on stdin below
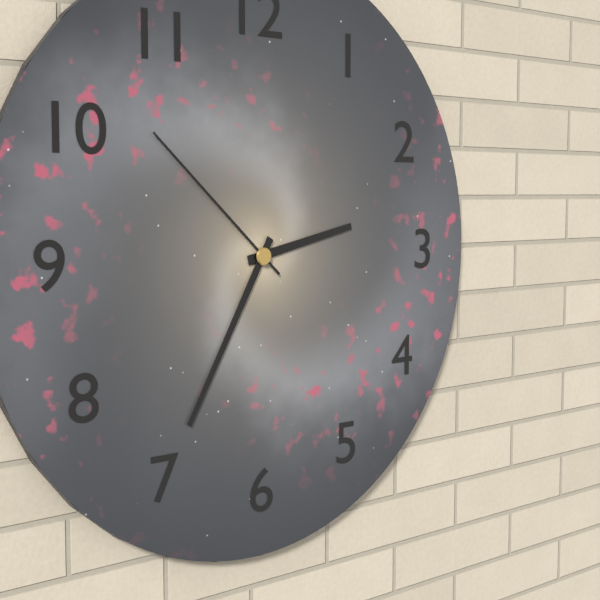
{"hour": 2, "minute": 35, "second": 52}
